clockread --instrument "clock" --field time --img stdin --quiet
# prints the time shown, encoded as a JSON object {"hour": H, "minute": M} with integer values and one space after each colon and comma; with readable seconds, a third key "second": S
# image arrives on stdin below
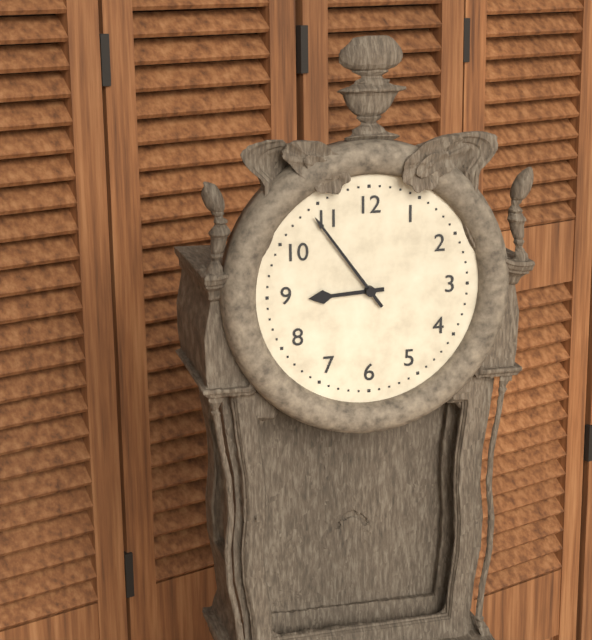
{"hour": 8, "minute": 54}
